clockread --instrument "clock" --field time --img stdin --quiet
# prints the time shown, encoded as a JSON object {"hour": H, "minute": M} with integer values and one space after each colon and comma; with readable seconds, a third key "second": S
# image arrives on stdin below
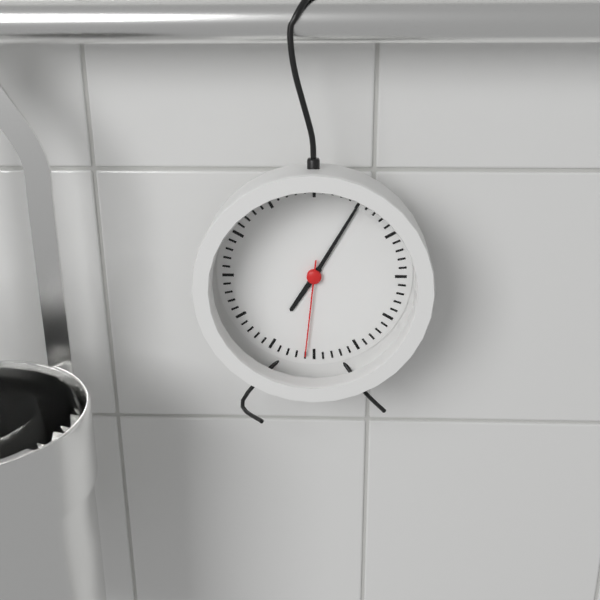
{"hour": 7, "minute": 5, "second": 31}
